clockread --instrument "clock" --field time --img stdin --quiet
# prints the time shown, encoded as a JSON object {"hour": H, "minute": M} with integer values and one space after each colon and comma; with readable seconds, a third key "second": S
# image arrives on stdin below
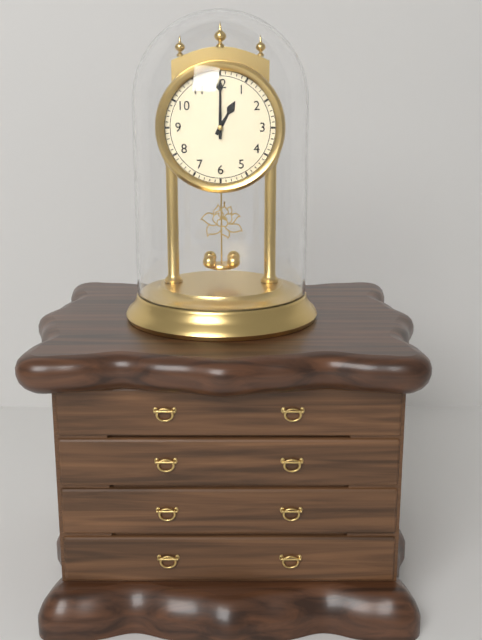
{"hour": 1, "minute": 0}
